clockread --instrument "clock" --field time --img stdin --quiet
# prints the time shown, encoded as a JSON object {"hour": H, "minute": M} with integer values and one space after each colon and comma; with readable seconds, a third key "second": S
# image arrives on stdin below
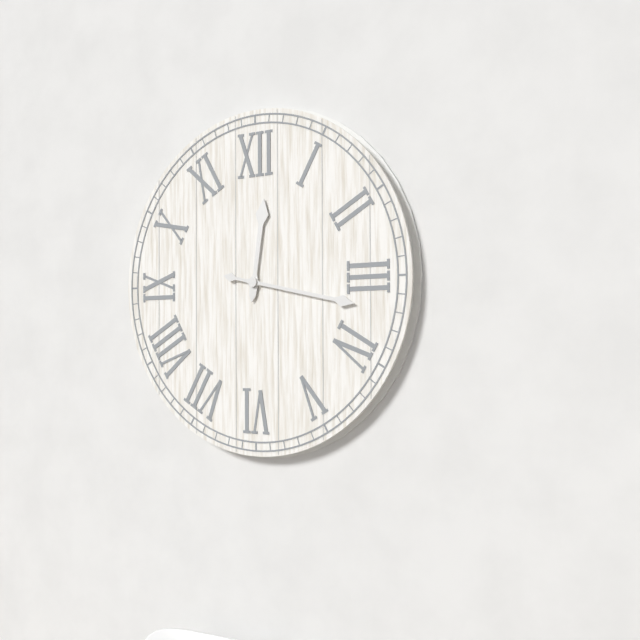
{"hour": 12, "minute": 17}
